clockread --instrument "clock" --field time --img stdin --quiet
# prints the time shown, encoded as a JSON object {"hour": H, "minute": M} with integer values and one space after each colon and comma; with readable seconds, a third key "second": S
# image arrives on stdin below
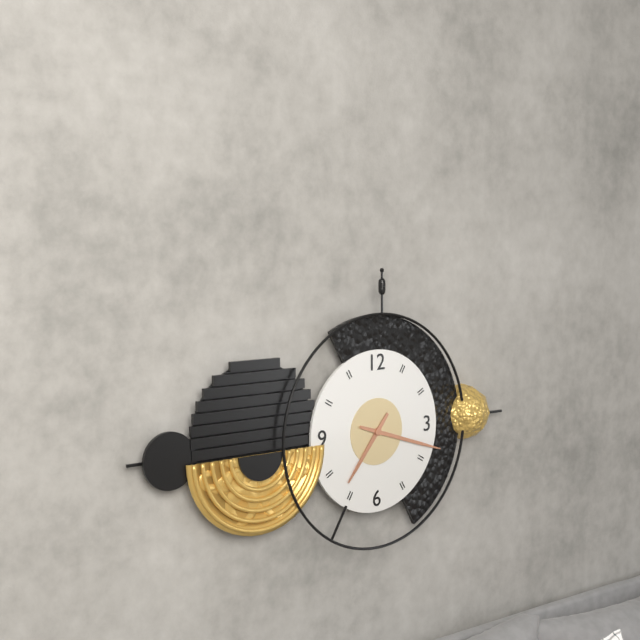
{"hour": 7, "minute": 18}
